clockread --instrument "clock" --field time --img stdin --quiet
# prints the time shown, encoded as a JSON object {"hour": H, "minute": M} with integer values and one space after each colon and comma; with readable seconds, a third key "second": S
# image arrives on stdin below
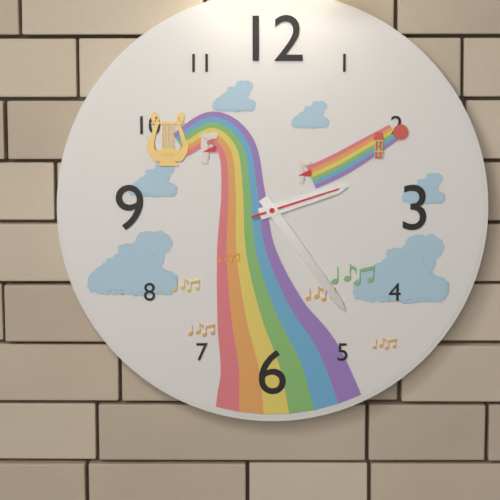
{"hour": 2, "minute": 24, "second": 12}
